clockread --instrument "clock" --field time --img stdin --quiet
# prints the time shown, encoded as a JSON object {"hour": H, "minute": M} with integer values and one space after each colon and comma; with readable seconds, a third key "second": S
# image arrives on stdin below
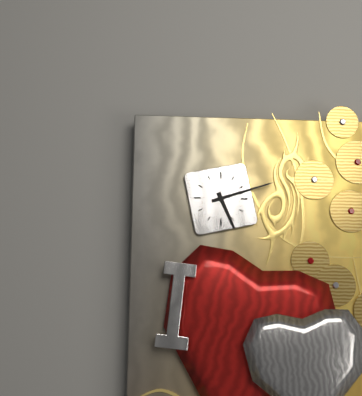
{"hour": 5, "minute": 12}
